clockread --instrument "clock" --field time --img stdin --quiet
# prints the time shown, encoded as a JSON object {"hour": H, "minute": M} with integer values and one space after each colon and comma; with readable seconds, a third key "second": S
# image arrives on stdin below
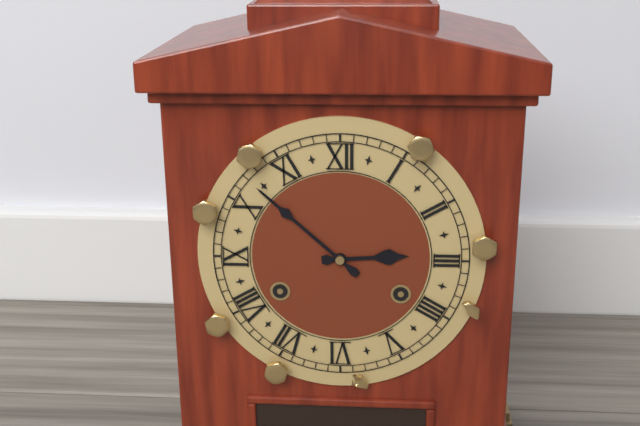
{"hour": 2, "minute": 52}
